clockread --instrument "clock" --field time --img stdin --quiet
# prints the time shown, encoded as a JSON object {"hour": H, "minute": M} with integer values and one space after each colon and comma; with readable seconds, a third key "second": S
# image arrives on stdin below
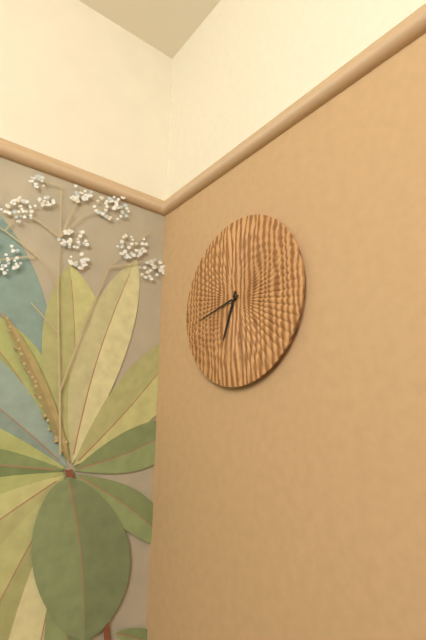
{"hour": 6, "minute": 43}
